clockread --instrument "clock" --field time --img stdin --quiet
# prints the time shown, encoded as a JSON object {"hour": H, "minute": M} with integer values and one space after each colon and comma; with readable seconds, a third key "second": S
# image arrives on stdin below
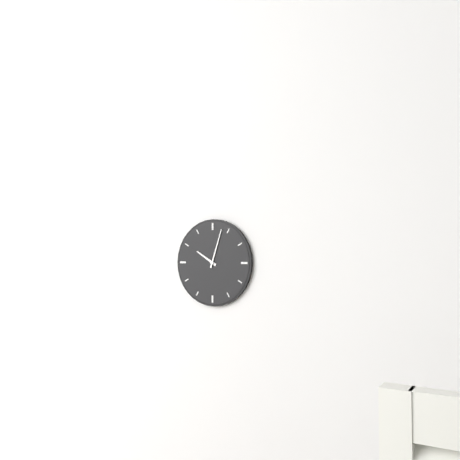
{"hour": 10, "minute": 3}
